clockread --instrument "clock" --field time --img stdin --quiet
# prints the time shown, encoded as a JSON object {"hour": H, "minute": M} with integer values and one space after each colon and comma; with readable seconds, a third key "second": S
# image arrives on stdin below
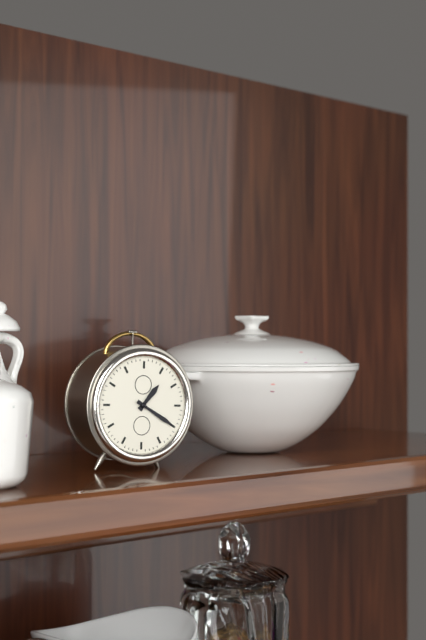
{"hour": 1, "minute": 20}
